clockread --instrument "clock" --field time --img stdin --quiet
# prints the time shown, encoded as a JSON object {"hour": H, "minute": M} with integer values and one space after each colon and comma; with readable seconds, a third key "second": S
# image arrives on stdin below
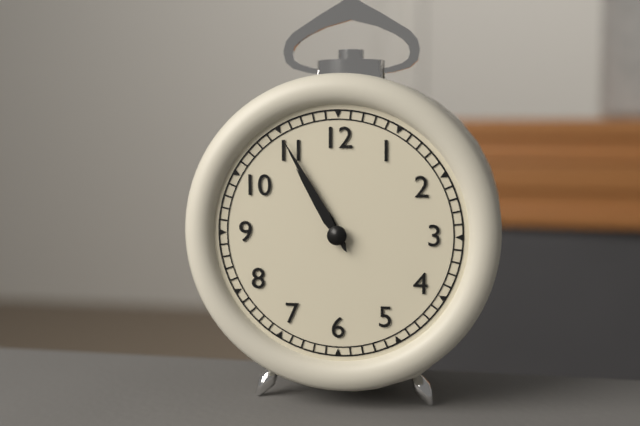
{"hour": 10, "minute": 55}
